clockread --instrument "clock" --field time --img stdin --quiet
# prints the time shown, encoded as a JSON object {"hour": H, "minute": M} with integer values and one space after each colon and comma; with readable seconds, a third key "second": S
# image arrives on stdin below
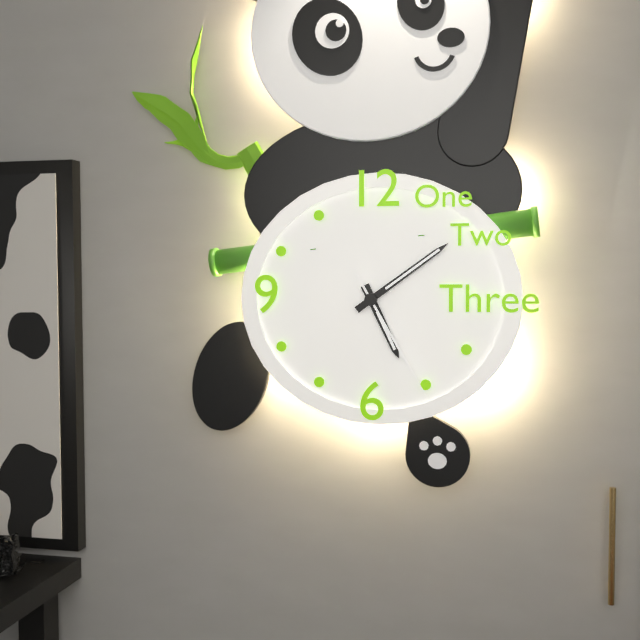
{"hour": 5, "minute": 9, "second": 25}
